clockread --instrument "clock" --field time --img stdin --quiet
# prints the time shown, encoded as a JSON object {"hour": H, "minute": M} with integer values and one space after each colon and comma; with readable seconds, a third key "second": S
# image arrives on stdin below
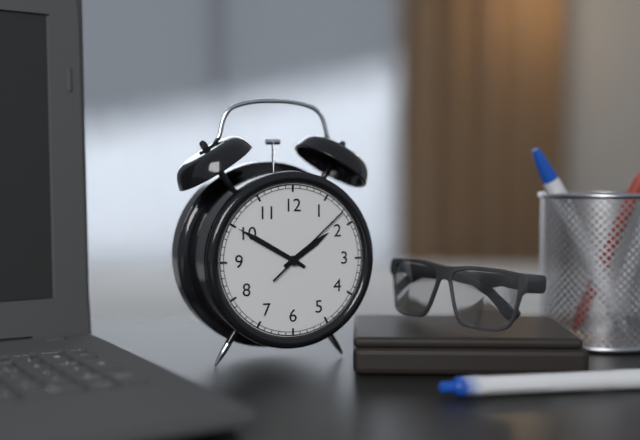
{"hour": 1, "minute": 50, "second": 8}
